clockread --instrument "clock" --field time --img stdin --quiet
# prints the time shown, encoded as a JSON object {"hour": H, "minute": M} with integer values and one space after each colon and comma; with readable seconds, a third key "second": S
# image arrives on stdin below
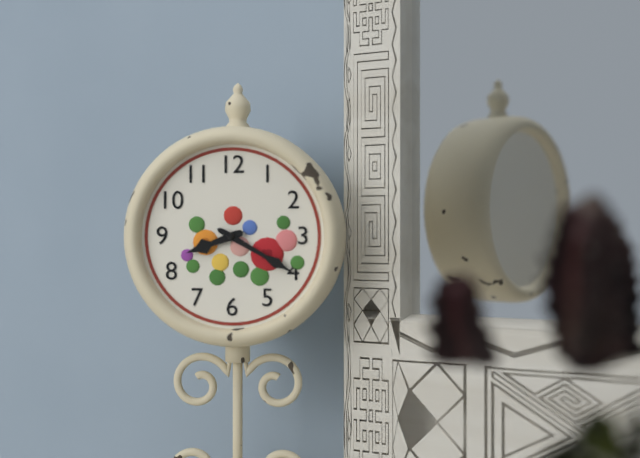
{"hour": 8, "minute": 20}
